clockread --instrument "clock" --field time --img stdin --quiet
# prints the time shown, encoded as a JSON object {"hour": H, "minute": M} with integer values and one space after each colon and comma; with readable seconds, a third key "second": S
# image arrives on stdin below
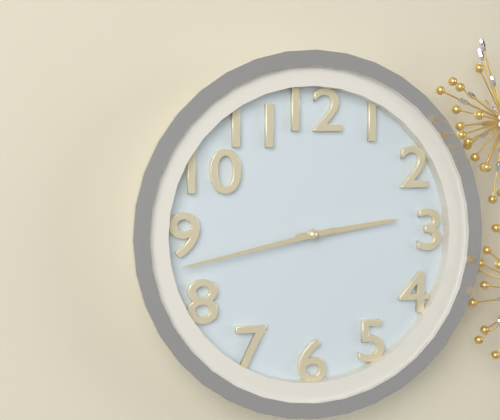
{"hour": 2, "minute": 43}
